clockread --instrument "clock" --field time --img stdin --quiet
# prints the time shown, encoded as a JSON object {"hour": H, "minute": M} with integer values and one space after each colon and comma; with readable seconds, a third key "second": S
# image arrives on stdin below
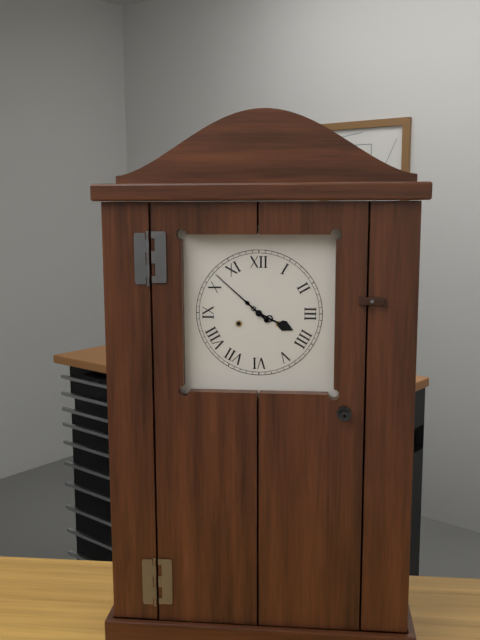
{"hour": 3, "minute": 52}
